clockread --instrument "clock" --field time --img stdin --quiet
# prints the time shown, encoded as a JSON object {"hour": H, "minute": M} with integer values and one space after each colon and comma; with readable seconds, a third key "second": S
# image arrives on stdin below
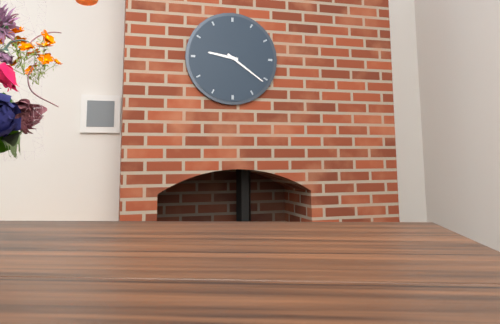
{"hour": 9, "minute": 21}
